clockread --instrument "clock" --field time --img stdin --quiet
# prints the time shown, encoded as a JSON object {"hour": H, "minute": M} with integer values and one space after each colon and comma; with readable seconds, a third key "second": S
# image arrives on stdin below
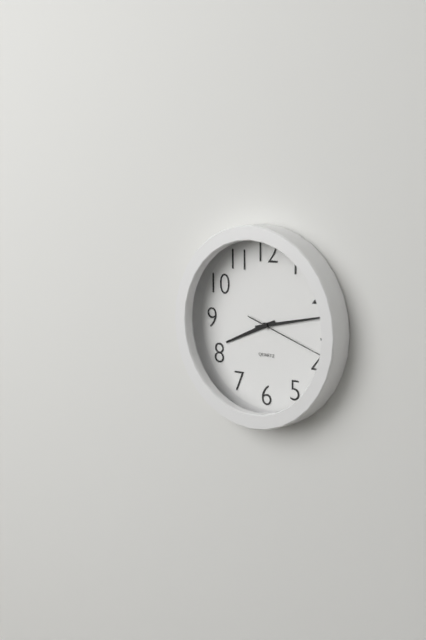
{"hour": 8, "minute": 13, "second": 18}
